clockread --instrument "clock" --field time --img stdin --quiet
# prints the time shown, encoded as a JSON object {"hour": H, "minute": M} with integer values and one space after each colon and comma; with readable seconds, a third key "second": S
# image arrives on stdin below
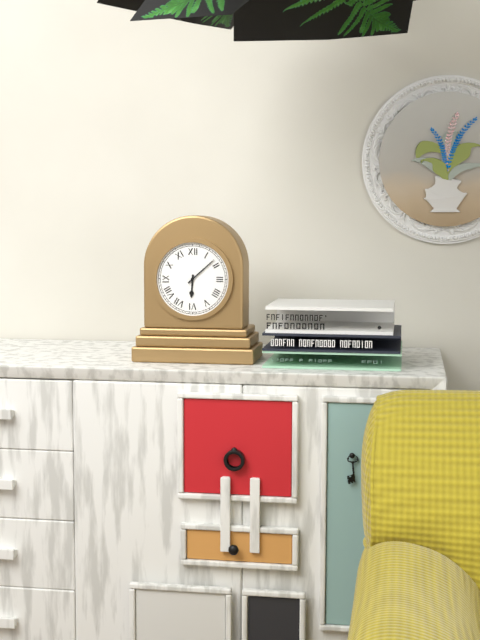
{"hour": 6, "minute": 8}
